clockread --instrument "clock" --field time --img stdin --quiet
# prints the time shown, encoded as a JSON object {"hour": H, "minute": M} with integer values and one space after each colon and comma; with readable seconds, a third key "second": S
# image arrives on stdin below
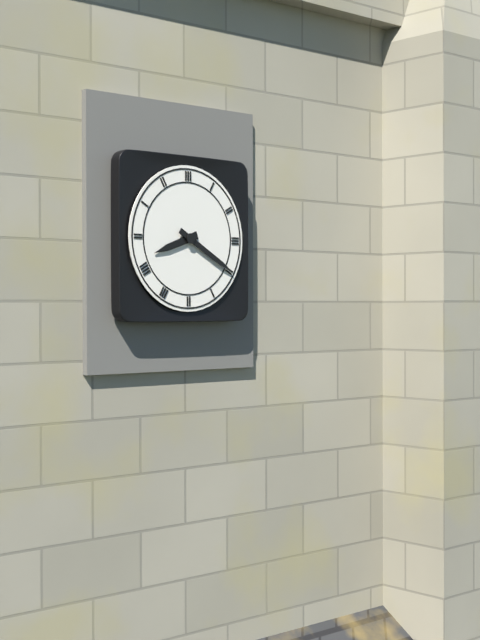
{"hour": 8, "minute": 20}
